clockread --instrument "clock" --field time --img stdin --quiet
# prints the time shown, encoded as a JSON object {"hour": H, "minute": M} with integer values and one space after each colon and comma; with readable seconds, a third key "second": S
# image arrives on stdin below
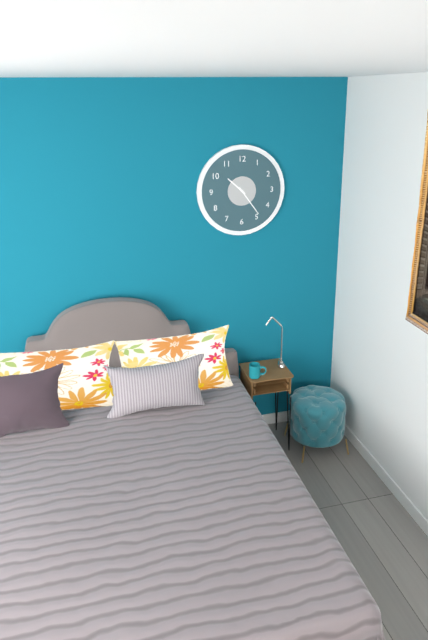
{"hour": 10, "minute": 24}
